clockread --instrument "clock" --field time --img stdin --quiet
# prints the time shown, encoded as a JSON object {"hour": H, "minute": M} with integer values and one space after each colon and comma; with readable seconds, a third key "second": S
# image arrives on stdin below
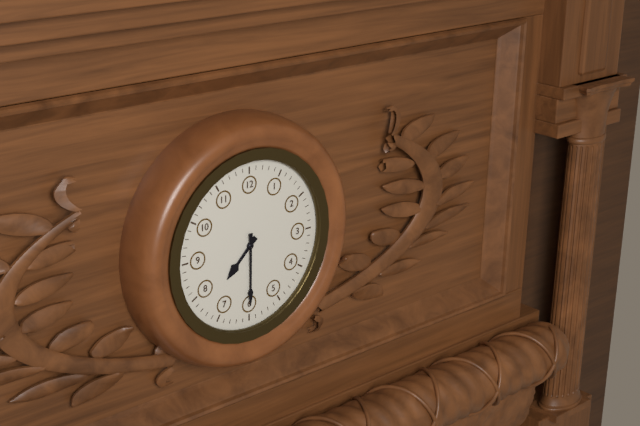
{"hour": 7, "minute": 30}
